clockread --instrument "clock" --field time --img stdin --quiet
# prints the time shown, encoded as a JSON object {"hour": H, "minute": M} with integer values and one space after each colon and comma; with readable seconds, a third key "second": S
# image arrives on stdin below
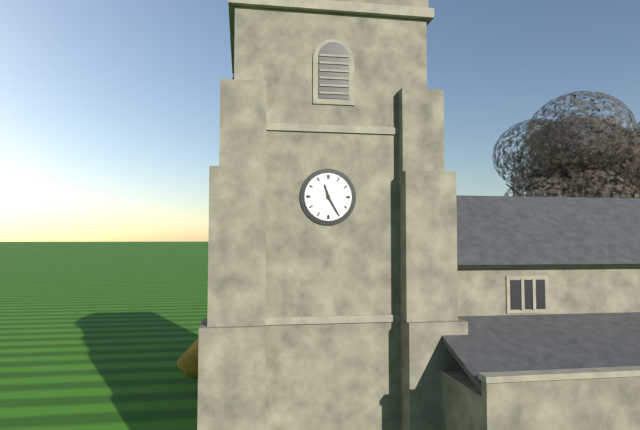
{"hour": 11, "minute": 25}
